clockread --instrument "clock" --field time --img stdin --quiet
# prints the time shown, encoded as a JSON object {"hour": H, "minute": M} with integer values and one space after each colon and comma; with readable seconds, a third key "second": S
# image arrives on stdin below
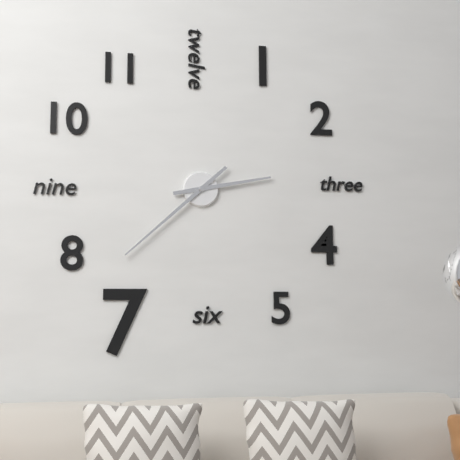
{"hour": 2, "minute": 38}
